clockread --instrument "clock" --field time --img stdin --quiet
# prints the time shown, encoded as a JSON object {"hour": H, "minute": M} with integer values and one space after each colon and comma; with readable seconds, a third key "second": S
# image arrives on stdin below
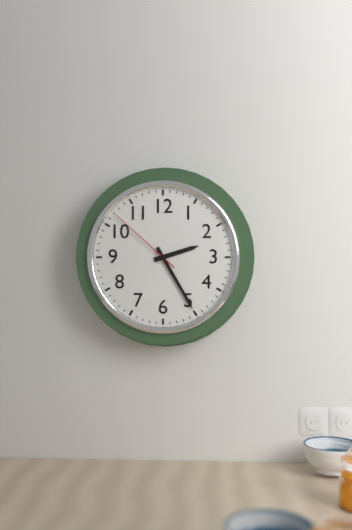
{"hour": 2, "minute": 25, "second": 52}
